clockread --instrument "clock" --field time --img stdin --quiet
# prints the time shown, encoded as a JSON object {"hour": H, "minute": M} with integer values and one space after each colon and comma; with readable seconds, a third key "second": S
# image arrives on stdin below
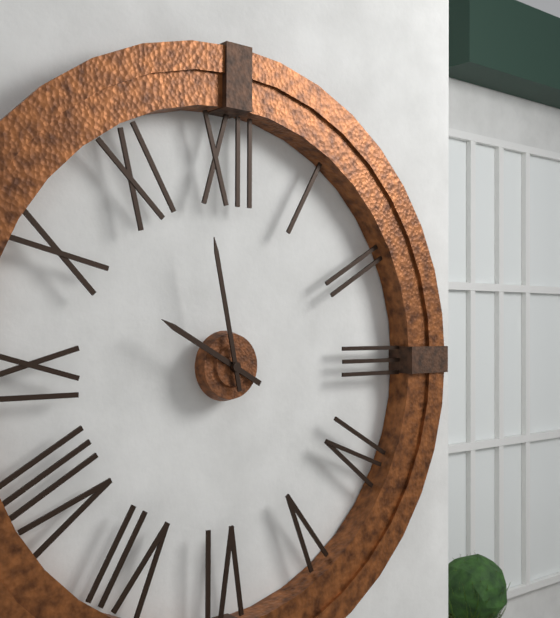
{"hour": 9, "minute": 58}
